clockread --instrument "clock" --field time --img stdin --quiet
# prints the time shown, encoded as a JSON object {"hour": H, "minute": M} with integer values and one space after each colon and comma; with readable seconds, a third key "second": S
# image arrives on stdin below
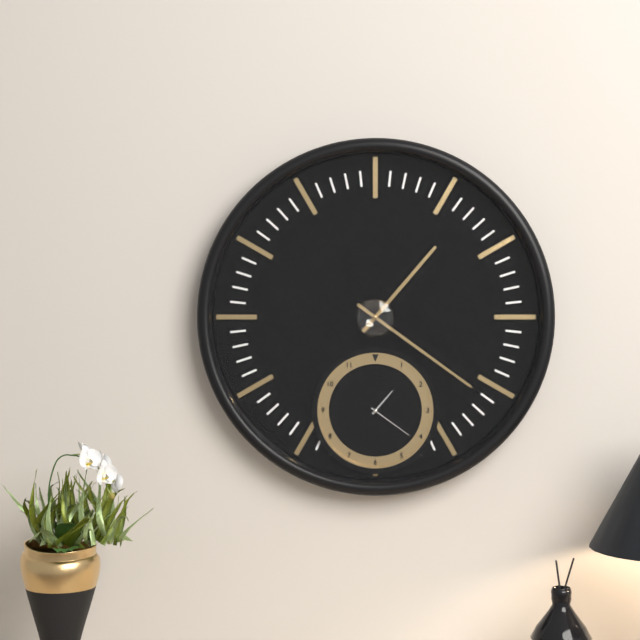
{"hour": 1, "minute": 21}
